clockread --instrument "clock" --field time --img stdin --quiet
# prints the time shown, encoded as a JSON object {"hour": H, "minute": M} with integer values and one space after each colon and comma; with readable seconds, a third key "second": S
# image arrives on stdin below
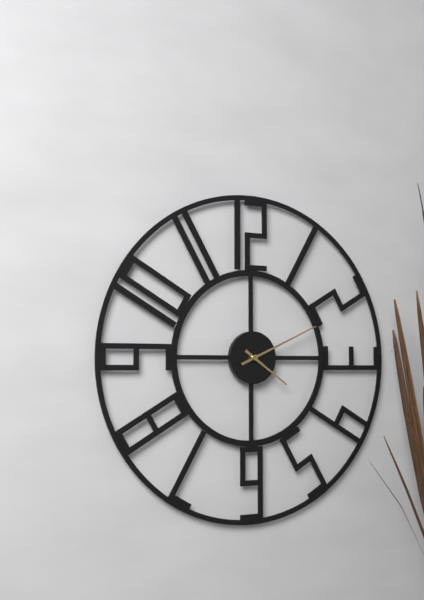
{"hour": 4, "minute": 11}
